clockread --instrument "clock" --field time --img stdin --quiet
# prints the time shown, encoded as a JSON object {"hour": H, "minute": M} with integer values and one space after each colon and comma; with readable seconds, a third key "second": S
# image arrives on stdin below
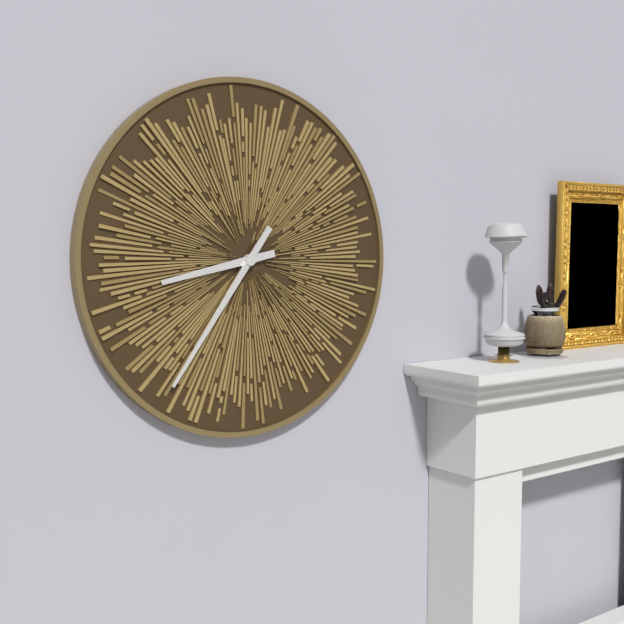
{"hour": 8, "minute": 36}
